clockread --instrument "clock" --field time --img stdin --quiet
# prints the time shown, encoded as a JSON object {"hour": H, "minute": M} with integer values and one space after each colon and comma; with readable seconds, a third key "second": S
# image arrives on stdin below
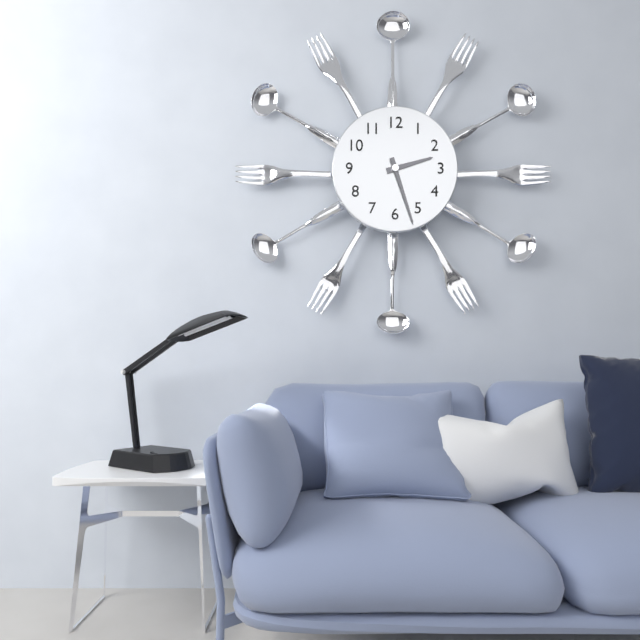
{"hour": 2, "minute": 27}
